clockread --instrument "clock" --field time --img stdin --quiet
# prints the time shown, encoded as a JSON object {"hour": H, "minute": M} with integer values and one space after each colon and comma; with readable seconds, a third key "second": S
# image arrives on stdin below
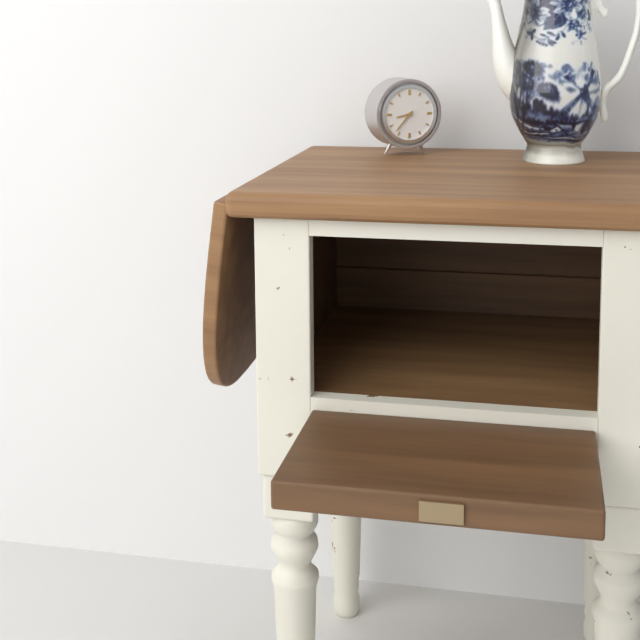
{"hour": 8, "minute": 37}
